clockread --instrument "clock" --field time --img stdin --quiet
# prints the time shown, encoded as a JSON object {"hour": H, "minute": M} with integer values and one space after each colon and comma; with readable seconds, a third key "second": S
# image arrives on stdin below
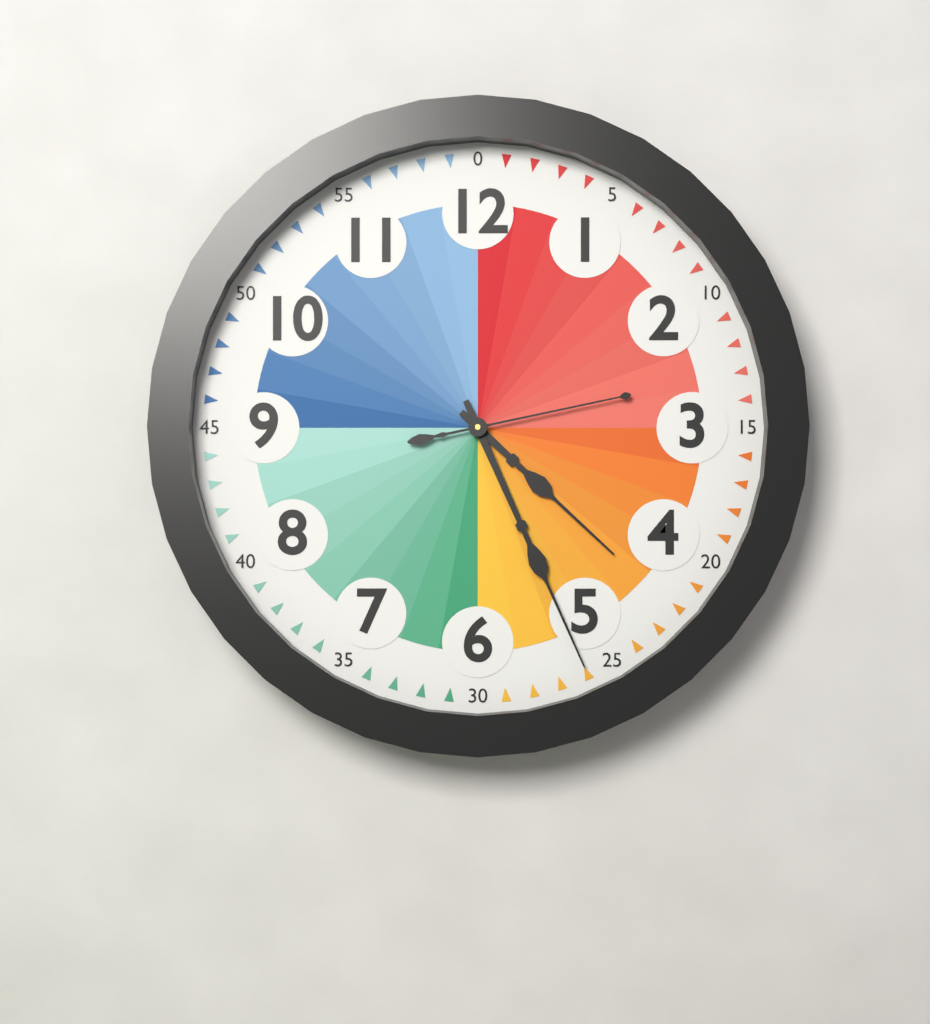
{"hour": 4, "minute": 26, "second": 13}
